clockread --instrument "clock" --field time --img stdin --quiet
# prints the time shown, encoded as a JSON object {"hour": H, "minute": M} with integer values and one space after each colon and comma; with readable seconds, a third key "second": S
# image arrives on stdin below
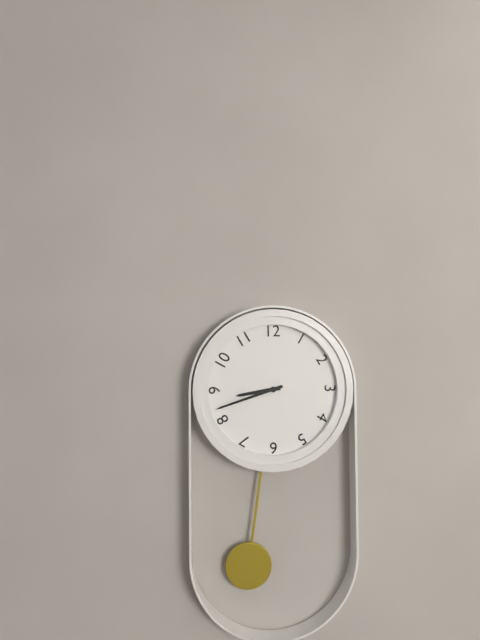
{"hour": 8, "minute": 42}
